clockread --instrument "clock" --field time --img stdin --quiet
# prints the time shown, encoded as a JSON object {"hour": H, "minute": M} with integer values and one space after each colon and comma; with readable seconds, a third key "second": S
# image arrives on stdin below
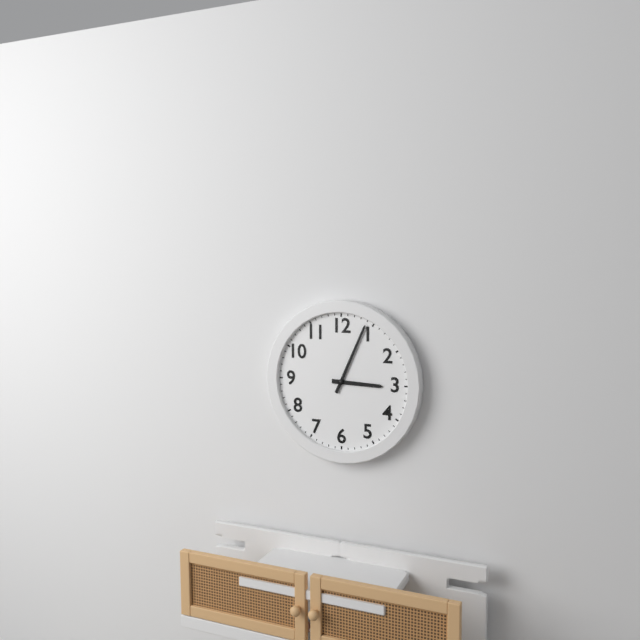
{"hour": 3, "minute": 4}
